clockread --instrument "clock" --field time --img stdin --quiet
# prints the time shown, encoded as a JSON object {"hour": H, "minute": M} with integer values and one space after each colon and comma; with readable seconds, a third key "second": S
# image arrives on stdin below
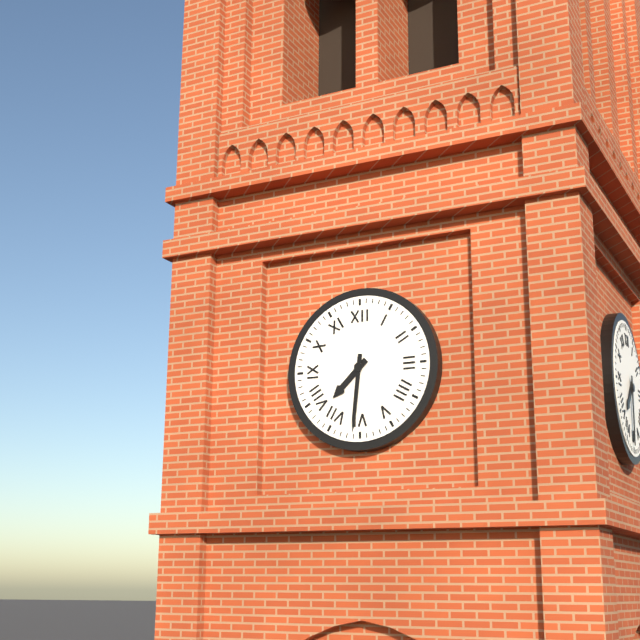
{"hour": 7, "minute": 31}
